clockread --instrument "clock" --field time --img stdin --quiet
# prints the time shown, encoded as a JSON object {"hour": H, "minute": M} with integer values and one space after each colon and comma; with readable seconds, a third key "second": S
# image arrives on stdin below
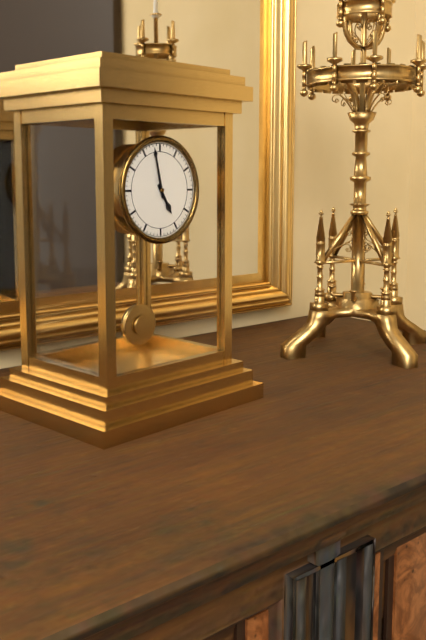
{"hour": 4, "minute": 58}
